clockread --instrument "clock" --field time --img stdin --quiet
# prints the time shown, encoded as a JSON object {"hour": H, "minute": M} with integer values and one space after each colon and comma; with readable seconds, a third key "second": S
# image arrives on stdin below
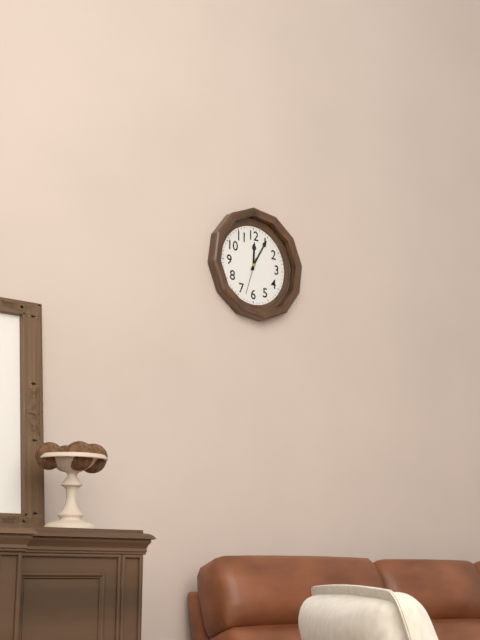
{"hour": 12, "minute": 5}
